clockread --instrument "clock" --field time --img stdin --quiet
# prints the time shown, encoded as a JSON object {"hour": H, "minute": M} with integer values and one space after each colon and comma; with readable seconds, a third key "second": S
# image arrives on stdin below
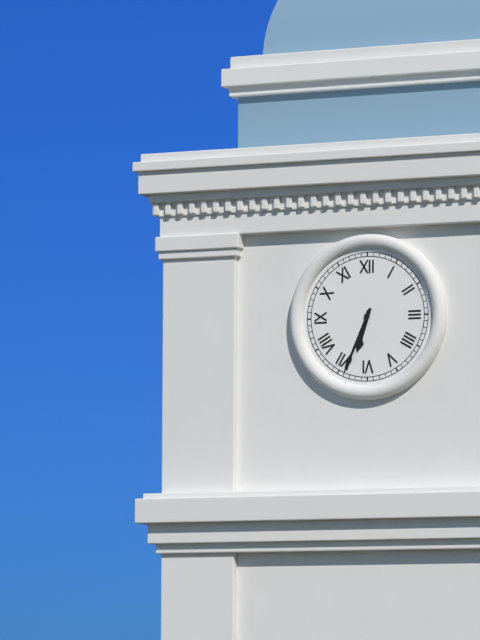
{"hour": 6, "minute": 34}
